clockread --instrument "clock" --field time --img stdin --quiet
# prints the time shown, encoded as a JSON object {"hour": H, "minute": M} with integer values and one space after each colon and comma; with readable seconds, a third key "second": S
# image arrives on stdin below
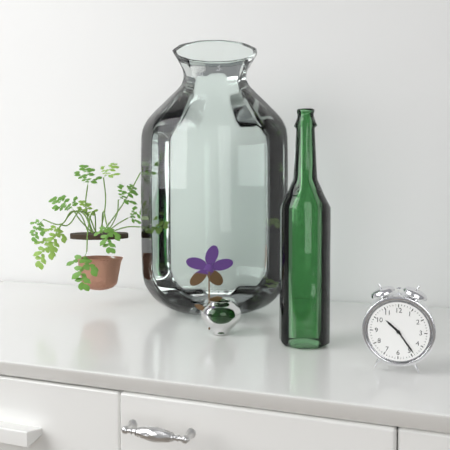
{"hour": 10, "minute": 24}
